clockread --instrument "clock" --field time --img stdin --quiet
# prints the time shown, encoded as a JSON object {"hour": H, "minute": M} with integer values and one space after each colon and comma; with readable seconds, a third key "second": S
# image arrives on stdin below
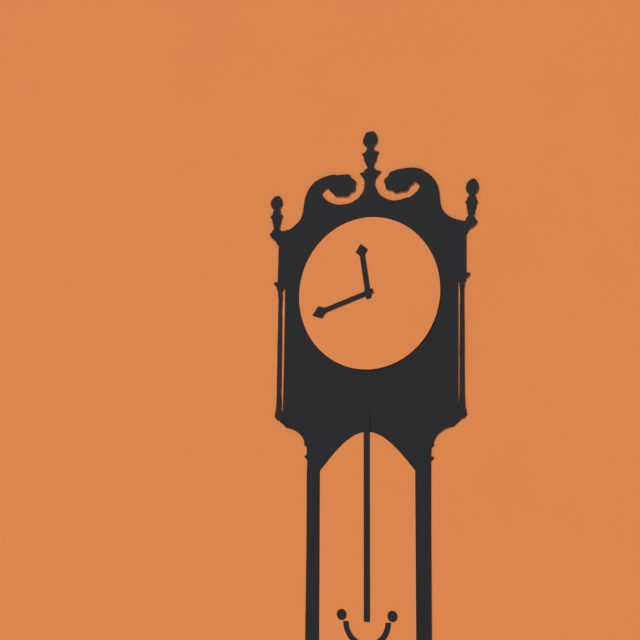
{"hour": 11, "minute": 42}
